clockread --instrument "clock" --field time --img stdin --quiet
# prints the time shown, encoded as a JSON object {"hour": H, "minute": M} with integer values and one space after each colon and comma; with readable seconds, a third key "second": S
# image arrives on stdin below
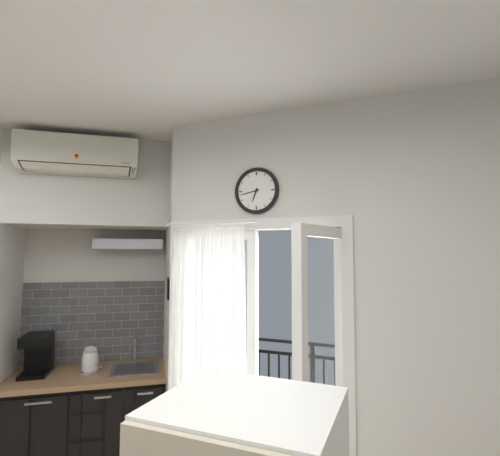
{"hour": 6, "minute": 43}
